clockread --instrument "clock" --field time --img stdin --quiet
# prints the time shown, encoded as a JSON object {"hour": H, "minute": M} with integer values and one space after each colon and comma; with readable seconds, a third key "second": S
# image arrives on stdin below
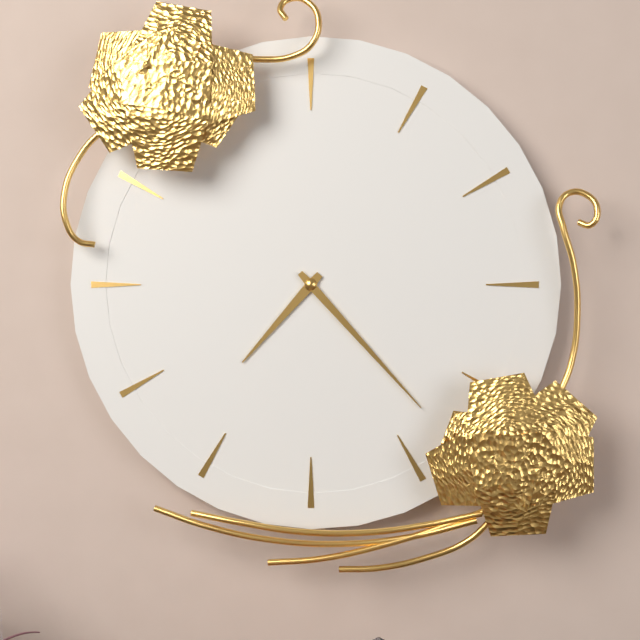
{"hour": 7, "minute": 23}
